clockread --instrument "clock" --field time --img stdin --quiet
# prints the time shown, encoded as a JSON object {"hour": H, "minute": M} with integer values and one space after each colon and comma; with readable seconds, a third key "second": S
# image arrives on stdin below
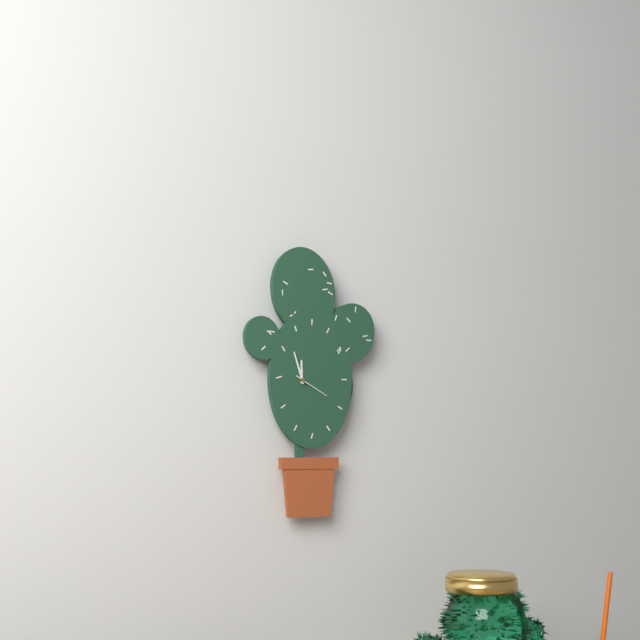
{"hour": 11, "minute": 57}
